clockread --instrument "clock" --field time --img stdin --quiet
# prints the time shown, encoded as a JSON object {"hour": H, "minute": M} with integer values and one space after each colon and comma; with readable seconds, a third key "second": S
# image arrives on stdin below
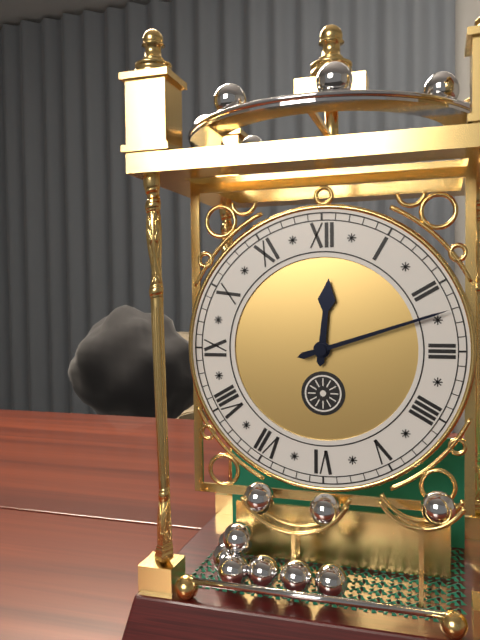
{"hour": 12, "minute": 12}
